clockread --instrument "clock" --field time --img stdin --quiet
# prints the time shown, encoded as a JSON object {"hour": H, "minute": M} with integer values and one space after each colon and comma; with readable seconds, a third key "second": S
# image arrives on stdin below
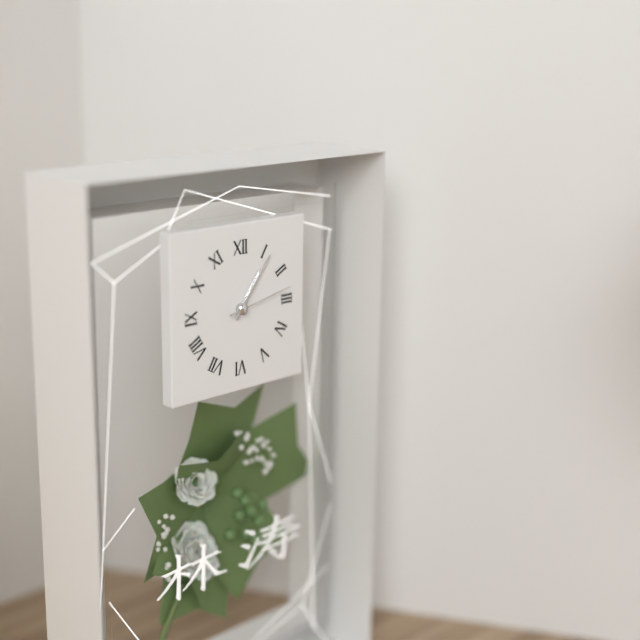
{"hour": 1, "minute": 6, "second": 13}
